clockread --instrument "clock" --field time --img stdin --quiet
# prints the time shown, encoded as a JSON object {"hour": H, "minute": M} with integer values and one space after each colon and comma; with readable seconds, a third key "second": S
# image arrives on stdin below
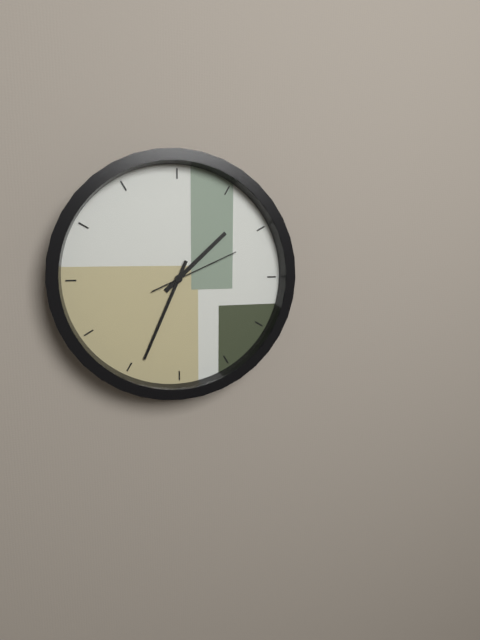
{"hour": 1, "minute": 34, "second": 11}
